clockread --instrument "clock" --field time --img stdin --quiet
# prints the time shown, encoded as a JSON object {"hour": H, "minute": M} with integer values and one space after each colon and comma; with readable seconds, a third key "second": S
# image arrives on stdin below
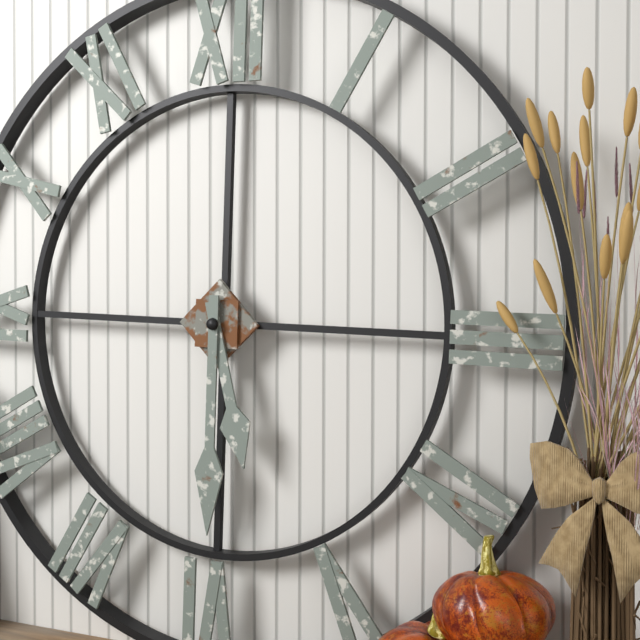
{"hour": 5, "minute": 30}
